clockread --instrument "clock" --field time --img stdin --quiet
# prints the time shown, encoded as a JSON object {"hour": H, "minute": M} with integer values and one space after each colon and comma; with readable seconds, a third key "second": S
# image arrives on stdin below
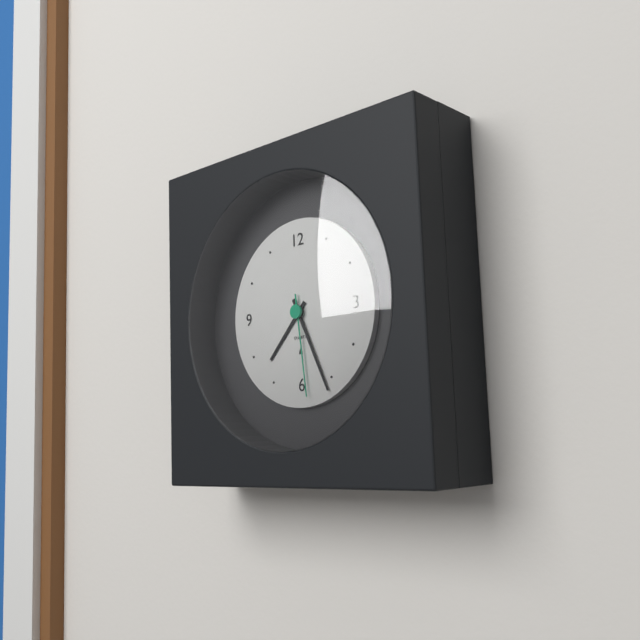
{"hour": 7, "minute": 26, "second": 29}
